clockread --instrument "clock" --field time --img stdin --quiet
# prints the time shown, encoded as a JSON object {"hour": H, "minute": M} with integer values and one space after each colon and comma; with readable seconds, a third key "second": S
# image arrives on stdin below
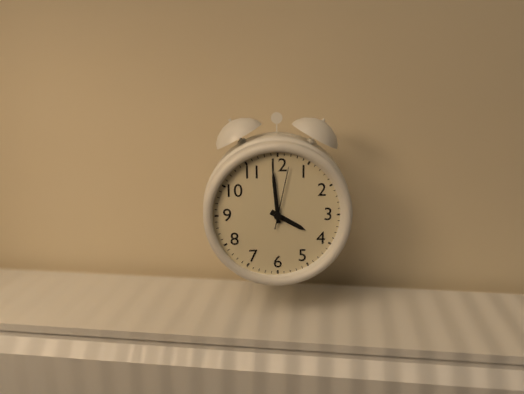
{"hour": 3, "minute": 59, "second": 2}
